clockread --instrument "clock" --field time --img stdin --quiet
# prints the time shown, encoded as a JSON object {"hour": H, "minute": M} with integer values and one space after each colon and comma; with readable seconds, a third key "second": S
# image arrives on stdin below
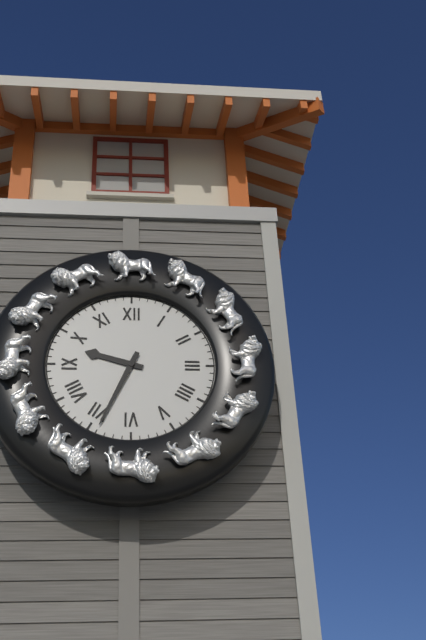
{"hour": 9, "minute": 34}
